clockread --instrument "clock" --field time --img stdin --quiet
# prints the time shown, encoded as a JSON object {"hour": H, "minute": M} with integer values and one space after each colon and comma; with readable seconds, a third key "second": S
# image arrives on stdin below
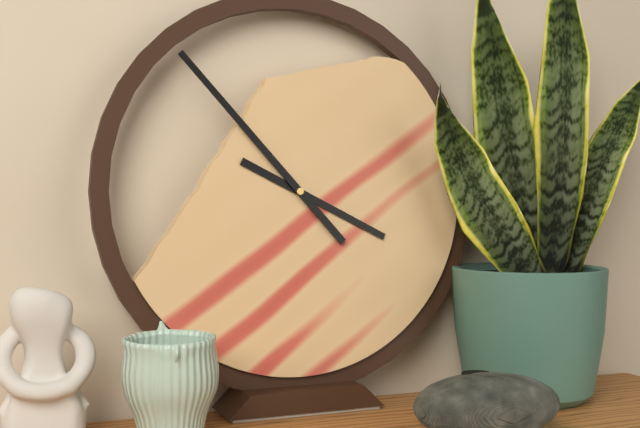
{"hour": 3, "minute": 53}
